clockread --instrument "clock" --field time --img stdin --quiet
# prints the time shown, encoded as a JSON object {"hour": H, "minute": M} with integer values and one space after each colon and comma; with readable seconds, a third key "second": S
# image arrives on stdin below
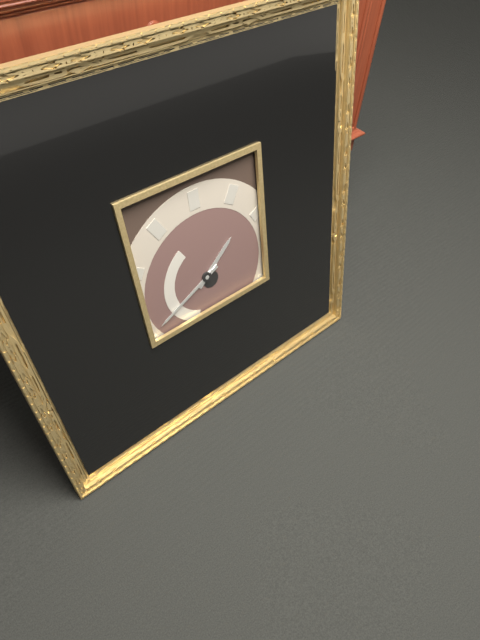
{"hour": 1, "minute": 41}
